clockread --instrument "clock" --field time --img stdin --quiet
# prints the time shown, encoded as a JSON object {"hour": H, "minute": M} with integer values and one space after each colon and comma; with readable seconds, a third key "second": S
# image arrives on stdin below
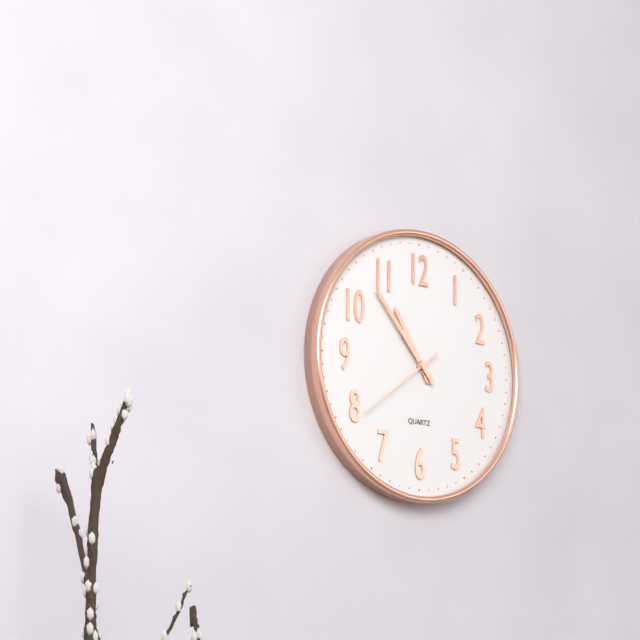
{"hour": 10, "minute": 53, "second": 39}
